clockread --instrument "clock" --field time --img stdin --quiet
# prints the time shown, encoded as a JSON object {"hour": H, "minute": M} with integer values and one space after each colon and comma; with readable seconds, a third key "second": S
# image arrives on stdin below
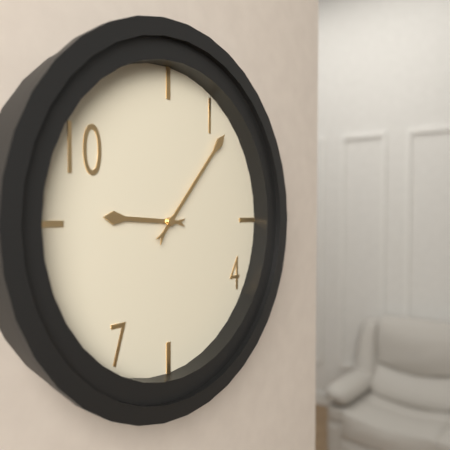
{"hour": 9, "minute": 7}
